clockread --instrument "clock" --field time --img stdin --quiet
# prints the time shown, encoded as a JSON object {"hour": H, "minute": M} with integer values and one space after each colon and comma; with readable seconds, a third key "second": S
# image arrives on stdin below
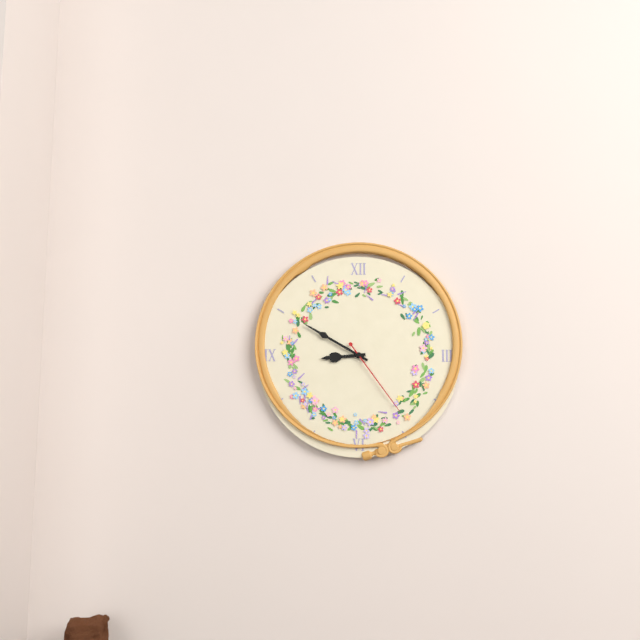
{"hour": 8, "minute": 50, "second": 24}
